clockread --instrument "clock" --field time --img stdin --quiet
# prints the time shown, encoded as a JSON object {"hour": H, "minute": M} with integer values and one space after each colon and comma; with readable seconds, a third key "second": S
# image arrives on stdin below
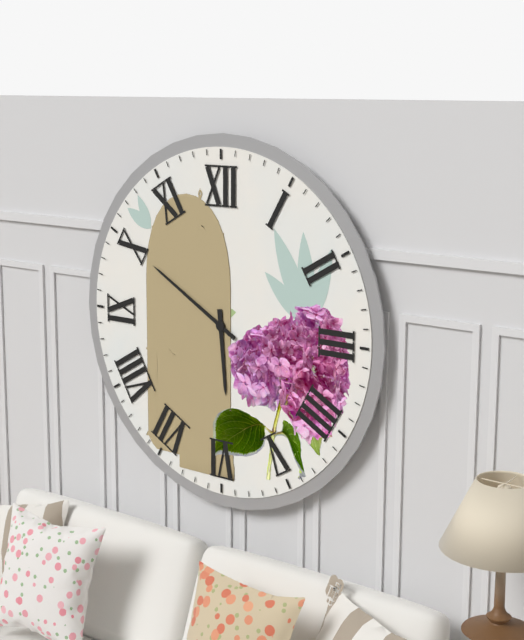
{"hour": 5, "minute": 50}
